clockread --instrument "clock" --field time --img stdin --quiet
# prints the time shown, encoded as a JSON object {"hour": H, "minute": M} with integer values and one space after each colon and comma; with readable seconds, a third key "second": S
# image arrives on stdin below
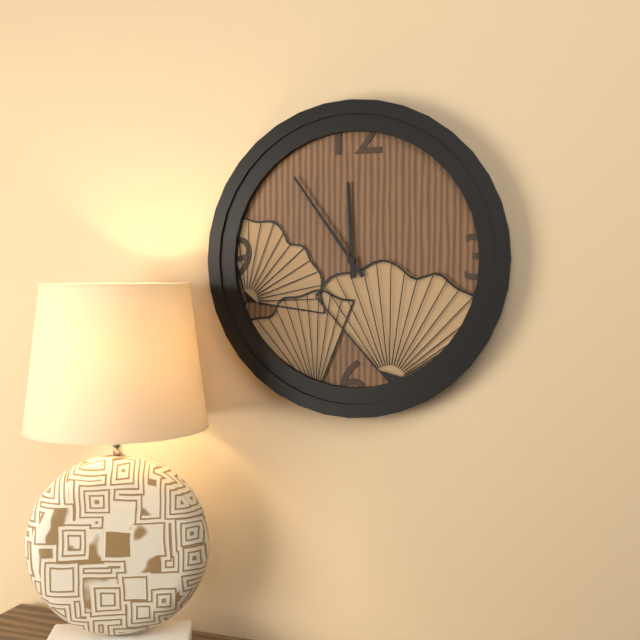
{"hour": 11, "minute": 54}
